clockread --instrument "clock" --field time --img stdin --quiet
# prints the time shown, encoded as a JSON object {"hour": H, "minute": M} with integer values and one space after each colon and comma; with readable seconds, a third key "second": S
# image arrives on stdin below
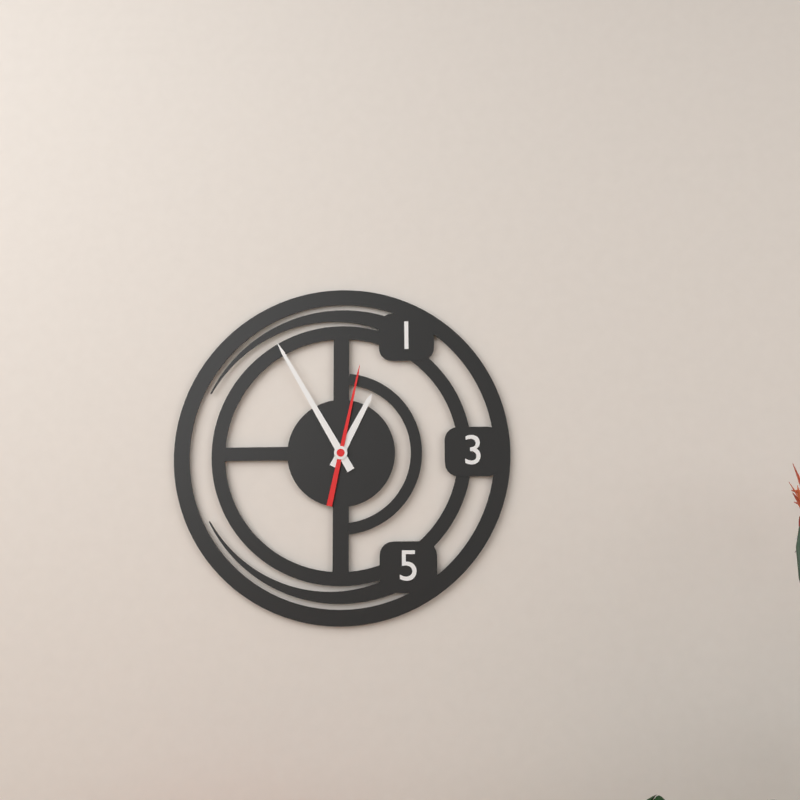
{"hour": 12, "minute": 55, "second": 2}
